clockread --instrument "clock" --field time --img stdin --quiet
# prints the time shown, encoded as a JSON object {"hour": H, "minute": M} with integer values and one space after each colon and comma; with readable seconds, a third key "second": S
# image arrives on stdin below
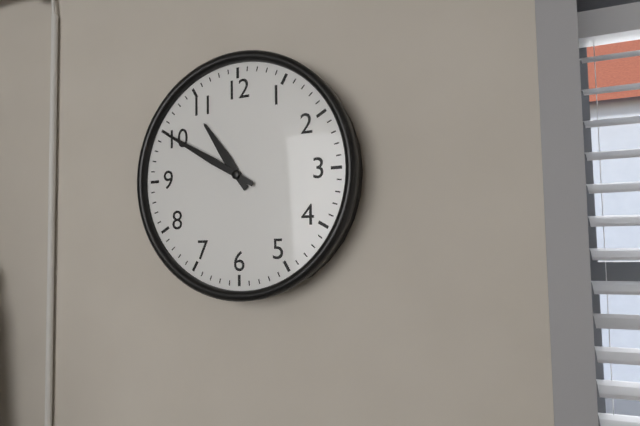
{"hour": 10, "minute": 50}
